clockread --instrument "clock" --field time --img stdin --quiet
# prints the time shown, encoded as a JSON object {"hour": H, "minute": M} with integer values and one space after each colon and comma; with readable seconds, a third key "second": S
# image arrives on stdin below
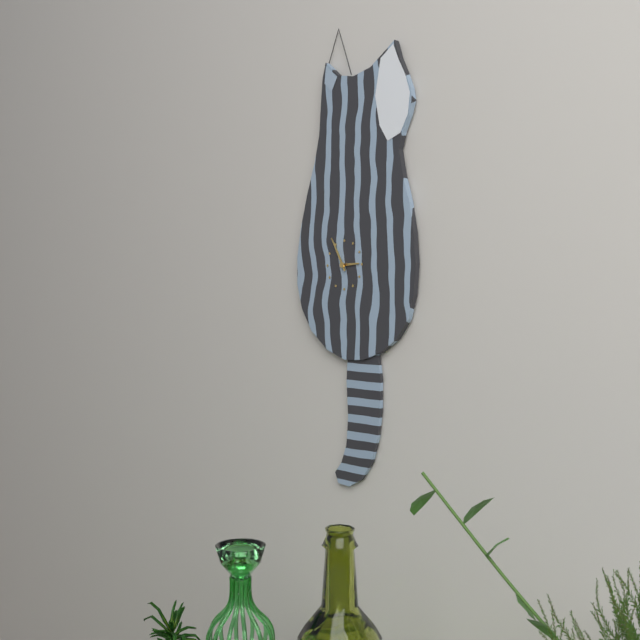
{"hour": 2, "minute": 55}
